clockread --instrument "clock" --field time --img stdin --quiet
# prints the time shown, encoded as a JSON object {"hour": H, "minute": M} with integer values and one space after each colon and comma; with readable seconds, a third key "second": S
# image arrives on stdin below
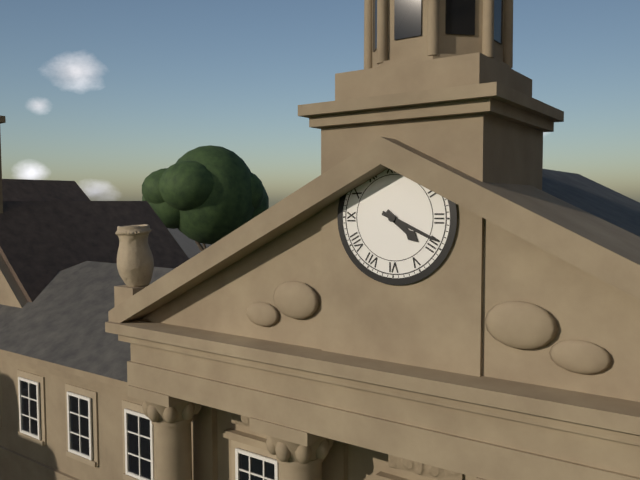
{"hour": 4, "minute": 19}
